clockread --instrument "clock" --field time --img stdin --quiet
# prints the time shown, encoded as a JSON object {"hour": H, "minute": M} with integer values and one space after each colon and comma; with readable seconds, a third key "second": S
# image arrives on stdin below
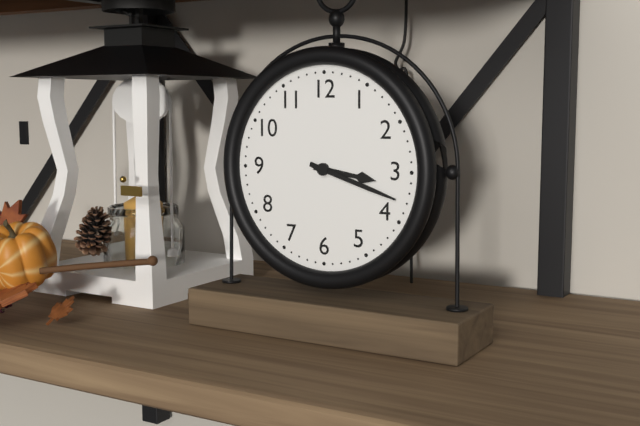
{"hour": 3, "minute": 18}
